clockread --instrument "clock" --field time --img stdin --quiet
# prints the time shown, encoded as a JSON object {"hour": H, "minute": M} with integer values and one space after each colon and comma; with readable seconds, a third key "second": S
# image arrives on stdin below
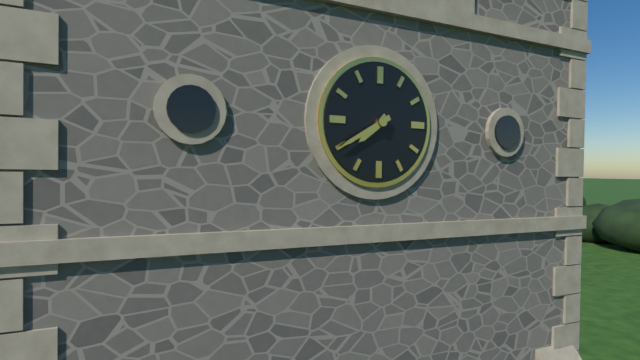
{"hour": 7, "minute": 40}
